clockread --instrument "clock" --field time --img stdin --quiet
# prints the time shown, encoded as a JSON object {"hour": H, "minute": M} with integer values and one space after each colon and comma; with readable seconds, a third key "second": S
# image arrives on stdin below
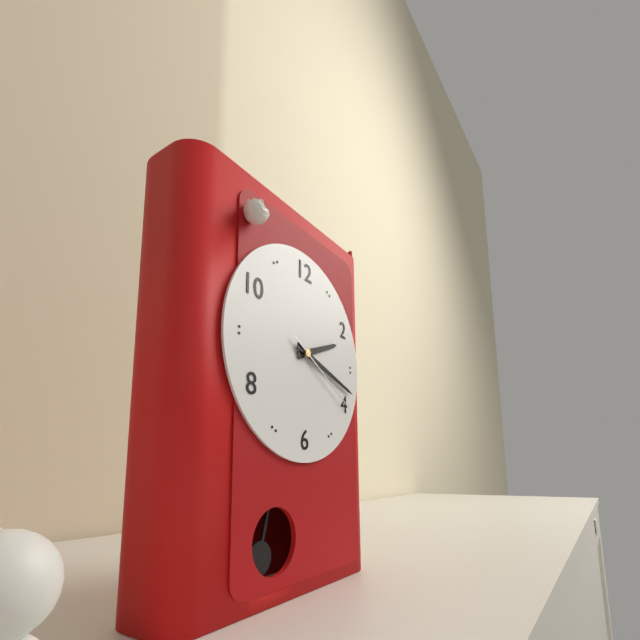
{"hour": 2, "minute": 18, "second": 20}
